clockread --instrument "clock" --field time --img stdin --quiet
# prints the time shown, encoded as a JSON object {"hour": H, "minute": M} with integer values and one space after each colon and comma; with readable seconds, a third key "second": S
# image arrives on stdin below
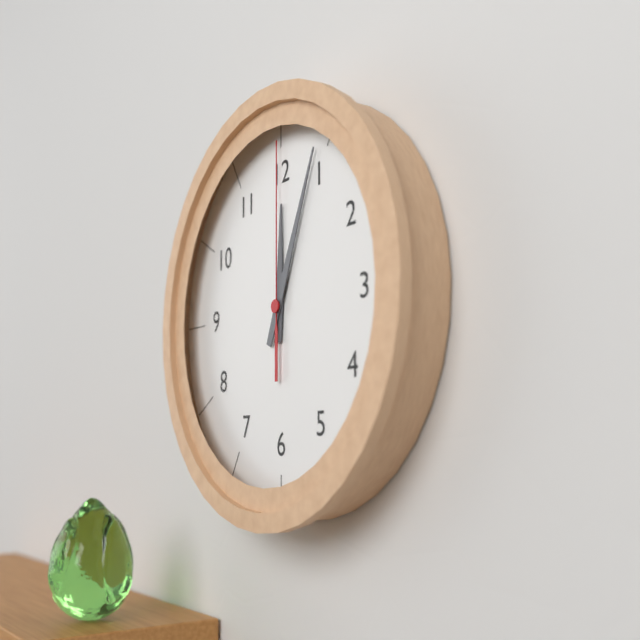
{"hour": 12, "minute": 4, "second": 0}
